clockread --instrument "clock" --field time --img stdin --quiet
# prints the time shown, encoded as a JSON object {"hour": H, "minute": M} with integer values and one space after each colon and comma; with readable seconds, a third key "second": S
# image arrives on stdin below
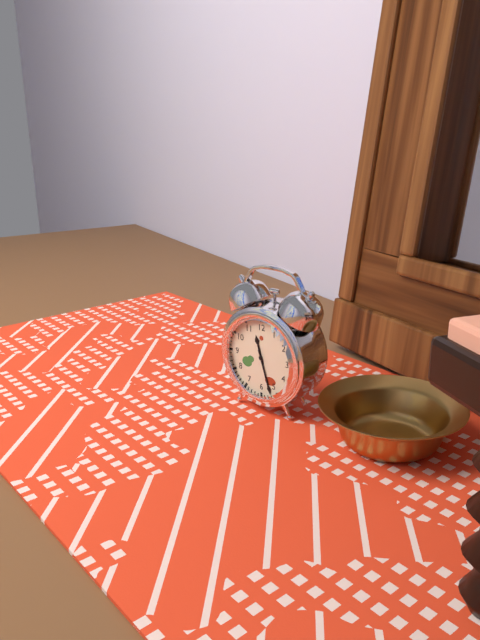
{"hour": 11, "minute": 27}
